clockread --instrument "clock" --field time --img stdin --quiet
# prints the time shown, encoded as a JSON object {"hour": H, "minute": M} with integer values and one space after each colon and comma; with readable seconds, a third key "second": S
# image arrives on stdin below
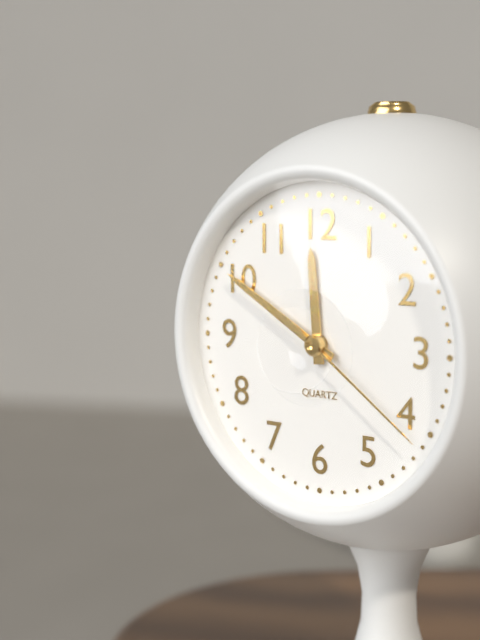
{"hour": 11, "minute": 50, "second": 21}
